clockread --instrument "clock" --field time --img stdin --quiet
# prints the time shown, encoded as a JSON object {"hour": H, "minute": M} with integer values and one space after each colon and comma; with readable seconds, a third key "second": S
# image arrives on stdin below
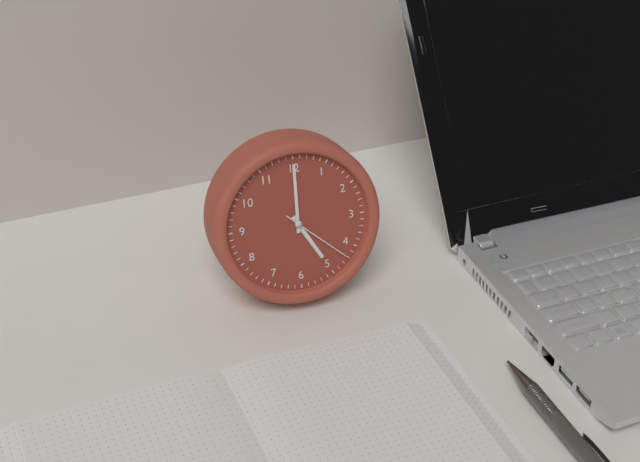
{"hour": 5, "minute": 0, "second": 22}
